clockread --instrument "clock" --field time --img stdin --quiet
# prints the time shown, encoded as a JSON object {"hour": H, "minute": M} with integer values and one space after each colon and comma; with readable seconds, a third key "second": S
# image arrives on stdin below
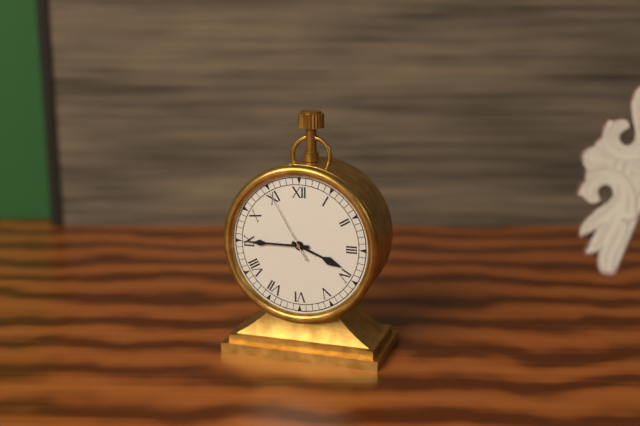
{"hour": 3, "minute": 45, "second": 55}
